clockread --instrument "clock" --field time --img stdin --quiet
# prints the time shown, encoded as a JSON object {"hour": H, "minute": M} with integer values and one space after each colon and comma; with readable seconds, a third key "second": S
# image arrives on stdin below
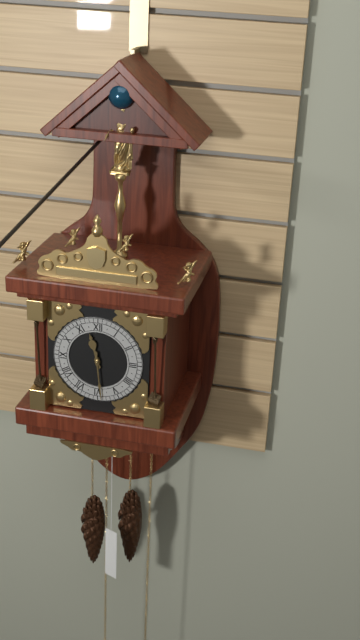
{"hour": 11, "minute": 29}
